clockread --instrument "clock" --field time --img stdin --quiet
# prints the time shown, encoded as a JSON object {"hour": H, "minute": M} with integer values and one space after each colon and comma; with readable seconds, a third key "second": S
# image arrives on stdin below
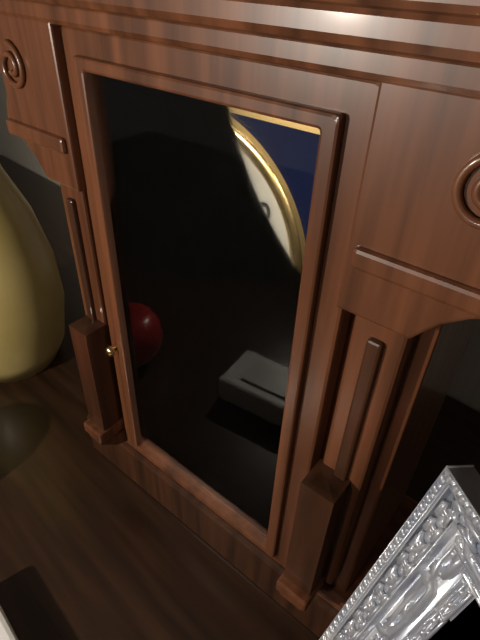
{"hour": 8, "minute": 14}
